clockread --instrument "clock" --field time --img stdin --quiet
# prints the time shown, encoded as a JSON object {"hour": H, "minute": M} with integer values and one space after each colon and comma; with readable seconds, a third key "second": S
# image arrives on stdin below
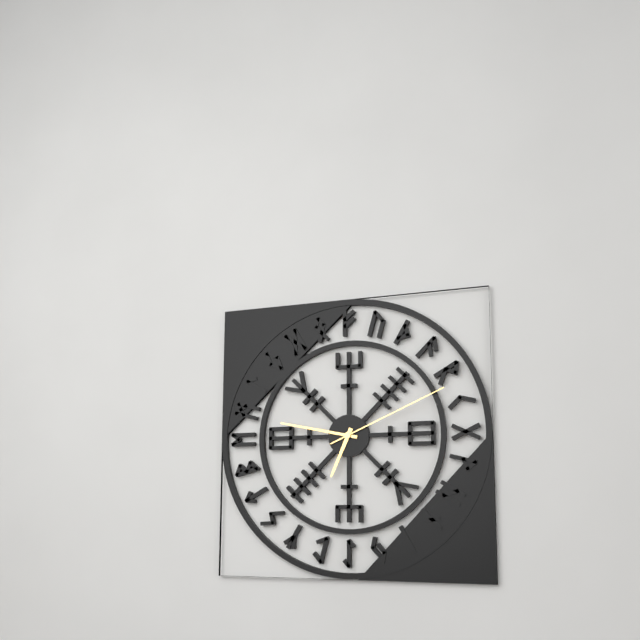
{"hour": 6, "minute": 47, "second": 11}
